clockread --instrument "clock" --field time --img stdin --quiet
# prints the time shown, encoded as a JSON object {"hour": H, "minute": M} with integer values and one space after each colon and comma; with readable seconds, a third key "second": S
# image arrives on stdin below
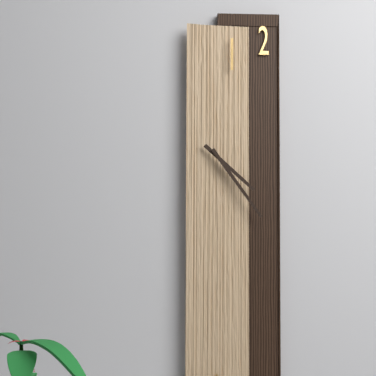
{"hour": 4, "minute": 24}
